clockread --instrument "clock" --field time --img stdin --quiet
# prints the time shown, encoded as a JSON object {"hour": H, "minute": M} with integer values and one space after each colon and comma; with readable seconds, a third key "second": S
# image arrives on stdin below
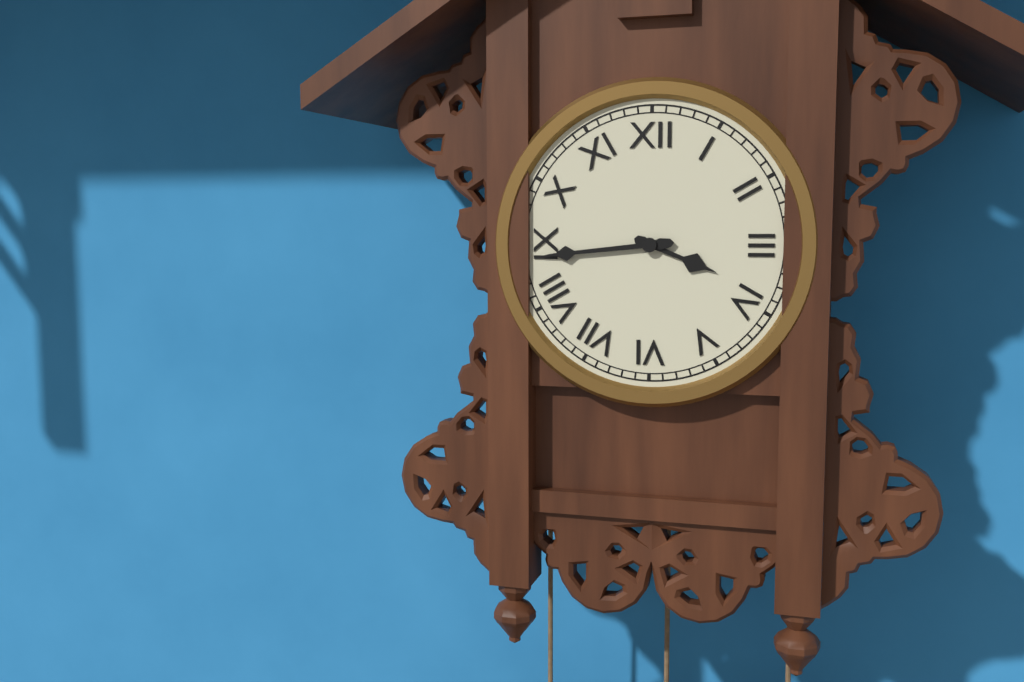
{"hour": 3, "minute": 44}
